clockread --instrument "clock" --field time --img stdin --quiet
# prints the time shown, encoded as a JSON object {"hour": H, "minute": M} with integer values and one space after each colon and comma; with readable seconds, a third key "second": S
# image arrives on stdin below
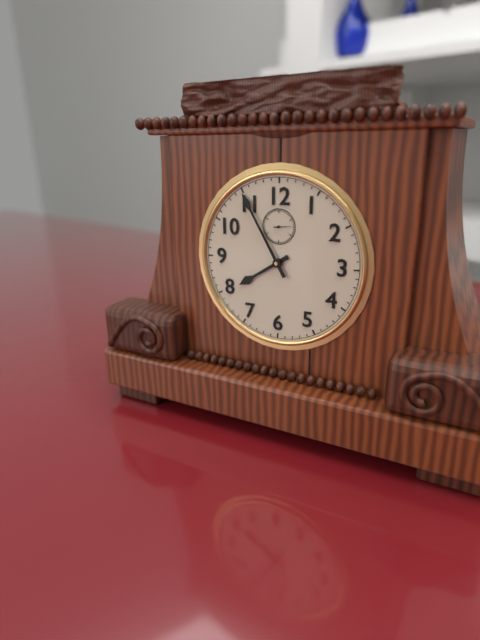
{"hour": 7, "minute": 55}
